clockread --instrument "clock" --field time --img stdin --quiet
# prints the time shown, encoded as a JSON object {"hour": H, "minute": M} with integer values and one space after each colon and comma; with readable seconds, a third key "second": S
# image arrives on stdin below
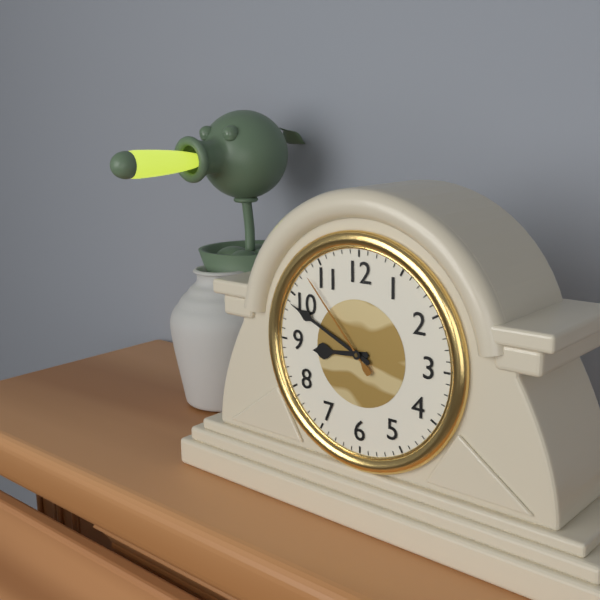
{"hour": 8, "minute": 49, "second": 53}
